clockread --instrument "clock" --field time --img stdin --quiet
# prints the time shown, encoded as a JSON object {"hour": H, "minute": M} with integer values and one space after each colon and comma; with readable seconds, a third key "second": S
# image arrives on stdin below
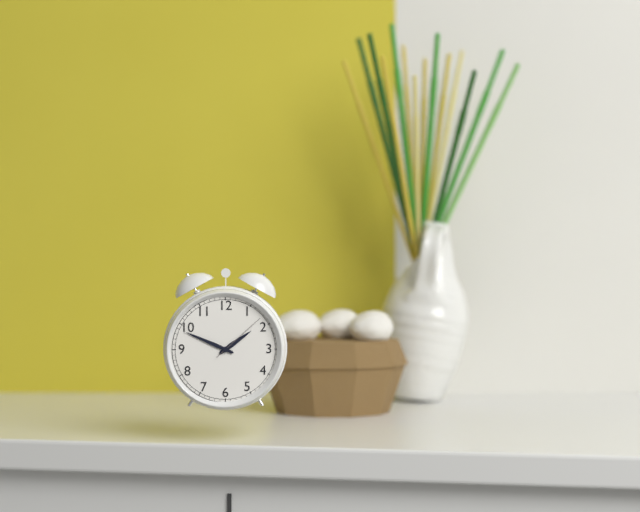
{"hour": 1, "minute": 49, "second": 8}
